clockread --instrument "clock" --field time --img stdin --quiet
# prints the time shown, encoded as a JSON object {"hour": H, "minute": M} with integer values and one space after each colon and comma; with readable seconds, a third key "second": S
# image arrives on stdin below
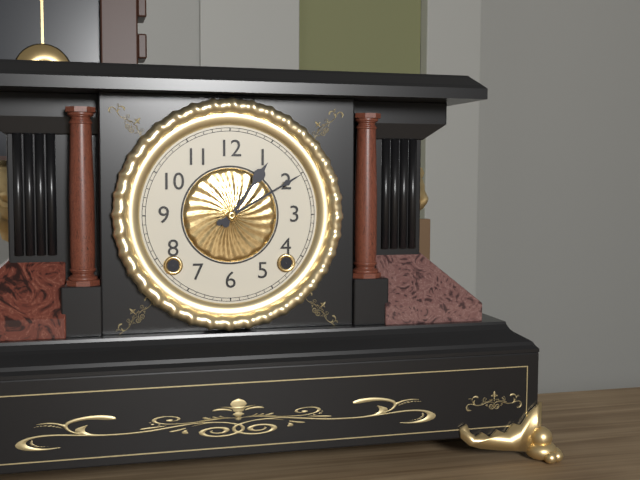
{"hour": 1, "minute": 10}
